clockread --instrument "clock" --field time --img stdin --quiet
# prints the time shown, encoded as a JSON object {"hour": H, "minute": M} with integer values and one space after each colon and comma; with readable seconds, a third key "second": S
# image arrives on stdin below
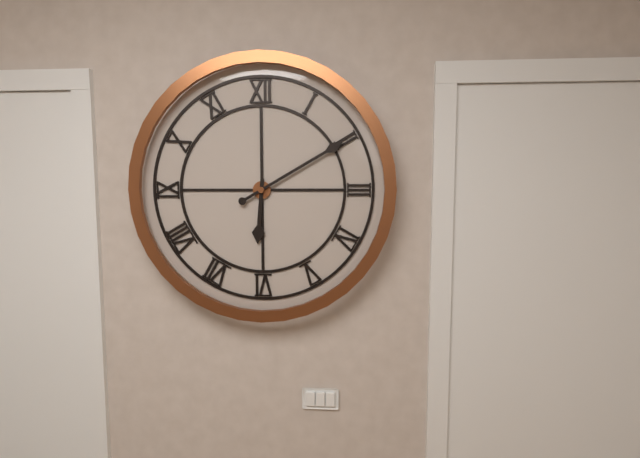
{"hour": 6, "minute": 10}
